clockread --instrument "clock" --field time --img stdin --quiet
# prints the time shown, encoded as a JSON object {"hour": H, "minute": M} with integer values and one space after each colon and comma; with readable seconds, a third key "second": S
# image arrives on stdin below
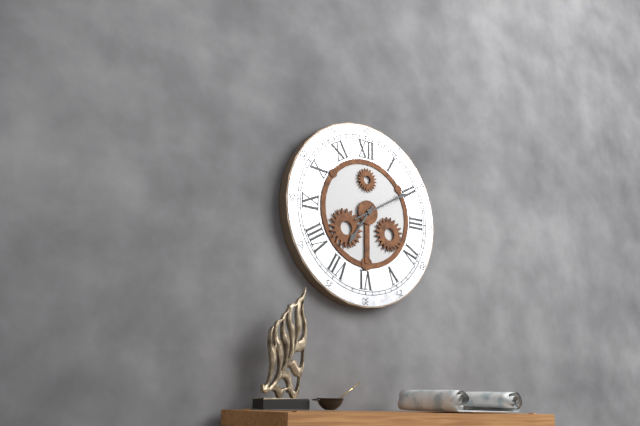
{"hour": 7, "minute": 10}
